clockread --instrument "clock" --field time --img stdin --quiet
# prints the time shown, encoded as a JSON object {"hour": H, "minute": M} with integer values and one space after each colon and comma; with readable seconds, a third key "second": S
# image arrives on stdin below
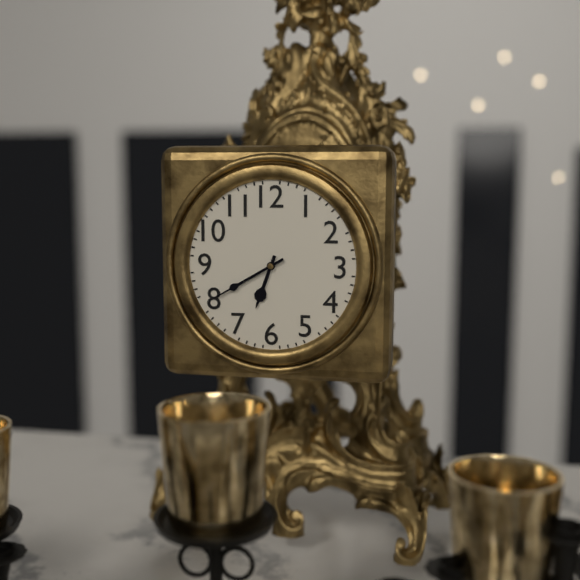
{"hour": 6, "minute": 40}
